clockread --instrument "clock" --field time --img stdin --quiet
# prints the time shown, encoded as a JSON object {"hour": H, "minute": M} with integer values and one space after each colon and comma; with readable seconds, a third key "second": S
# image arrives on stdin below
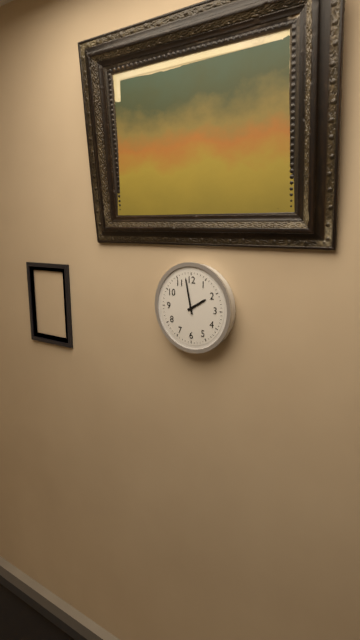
{"hour": 1, "minute": 58}
